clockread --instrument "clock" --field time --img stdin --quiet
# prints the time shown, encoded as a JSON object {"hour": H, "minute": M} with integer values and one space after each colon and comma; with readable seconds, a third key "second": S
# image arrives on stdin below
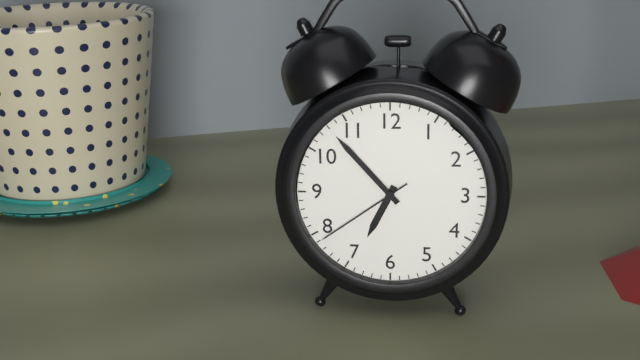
{"hour": 6, "minute": 53, "second": 39}
